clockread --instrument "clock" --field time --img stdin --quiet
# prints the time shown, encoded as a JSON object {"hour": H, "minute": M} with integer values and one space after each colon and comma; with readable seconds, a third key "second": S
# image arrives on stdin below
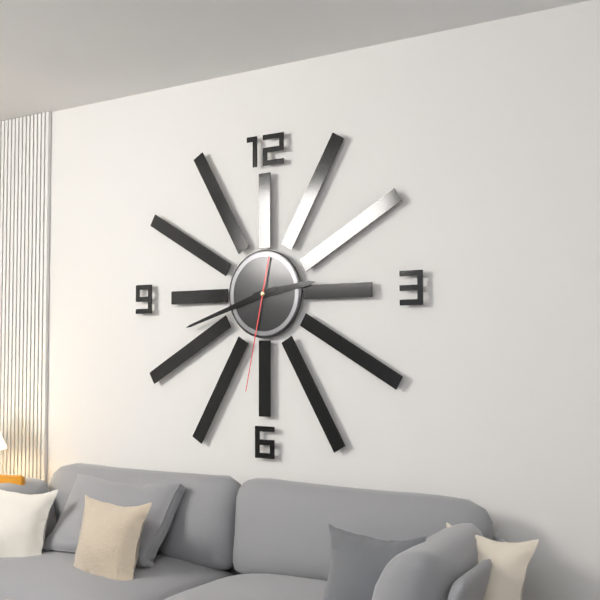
{"hour": 2, "minute": 42, "second": 32}
